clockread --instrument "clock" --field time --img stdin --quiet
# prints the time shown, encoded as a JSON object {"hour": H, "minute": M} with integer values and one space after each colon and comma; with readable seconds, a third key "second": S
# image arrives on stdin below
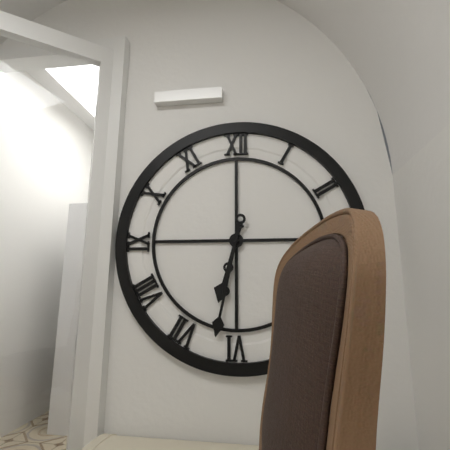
{"hour": 6, "minute": 32}
